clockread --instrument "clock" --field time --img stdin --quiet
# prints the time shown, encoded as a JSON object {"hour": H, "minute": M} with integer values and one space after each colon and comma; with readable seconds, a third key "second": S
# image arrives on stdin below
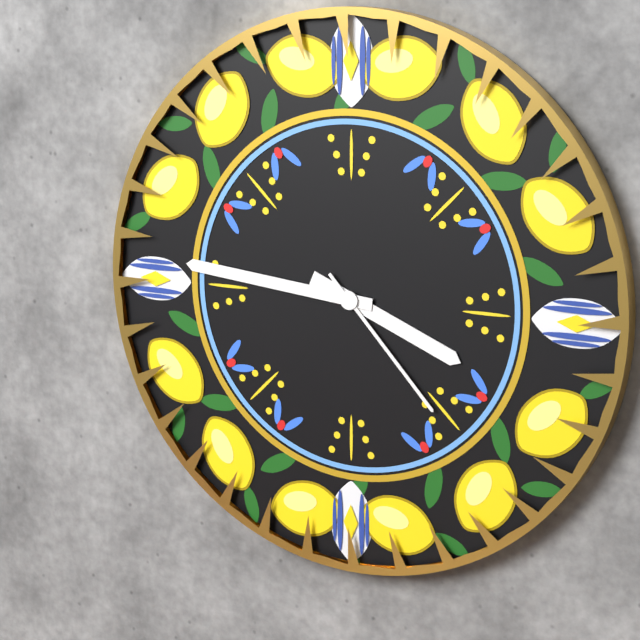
{"hour": 3, "minute": 46, "second": 23}
